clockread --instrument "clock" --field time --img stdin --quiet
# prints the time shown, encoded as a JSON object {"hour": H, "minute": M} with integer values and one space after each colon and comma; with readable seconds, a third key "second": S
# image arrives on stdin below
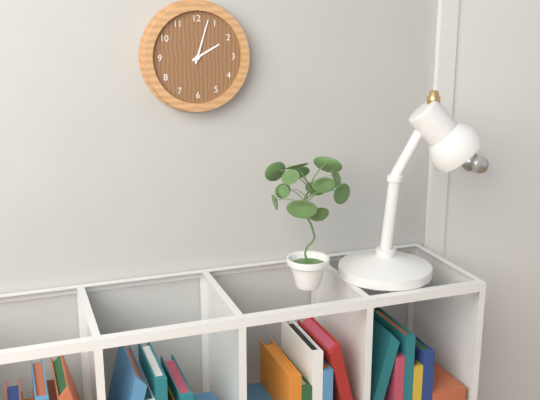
{"hour": 2, "minute": 3}
